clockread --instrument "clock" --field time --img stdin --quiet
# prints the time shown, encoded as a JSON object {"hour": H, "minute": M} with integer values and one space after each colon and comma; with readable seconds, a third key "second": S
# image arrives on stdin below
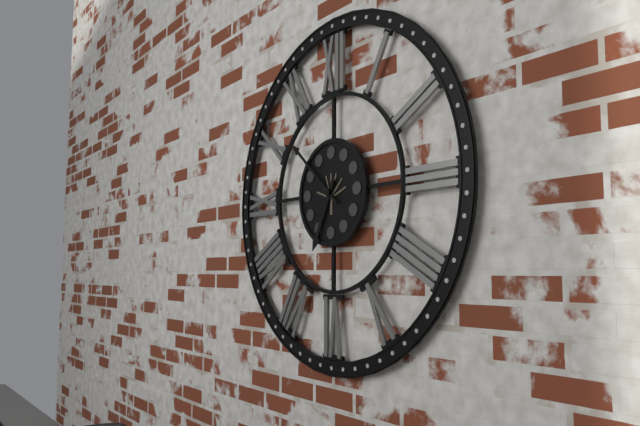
{"hour": 6, "minute": 52}
